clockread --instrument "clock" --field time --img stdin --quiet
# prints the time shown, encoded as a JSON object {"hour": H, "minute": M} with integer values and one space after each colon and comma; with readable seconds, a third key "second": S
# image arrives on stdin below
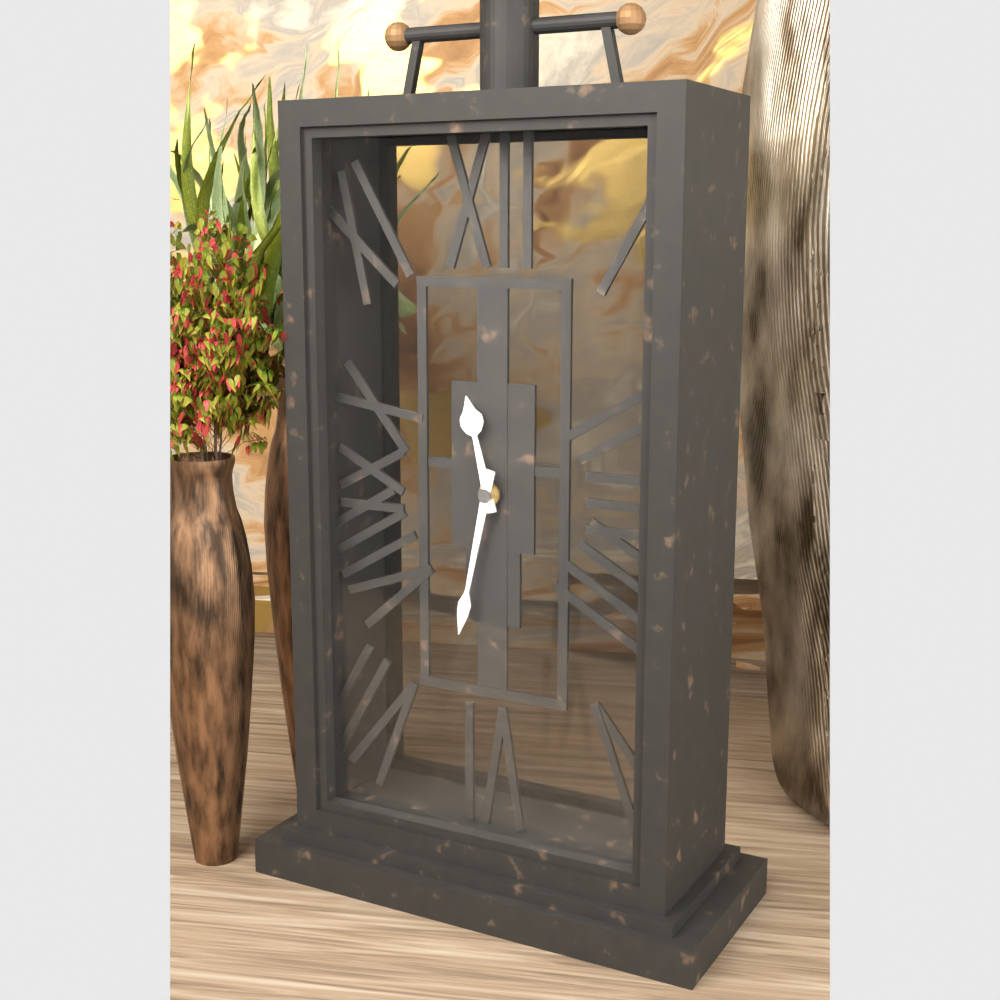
{"hour": 11, "minute": 32}
